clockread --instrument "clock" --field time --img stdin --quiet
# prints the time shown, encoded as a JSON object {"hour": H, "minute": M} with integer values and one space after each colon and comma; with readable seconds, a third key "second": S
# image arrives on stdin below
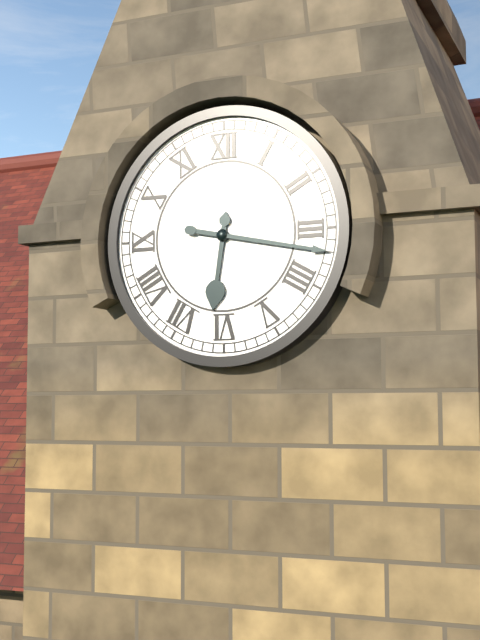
{"hour": 6, "minute": 17}
